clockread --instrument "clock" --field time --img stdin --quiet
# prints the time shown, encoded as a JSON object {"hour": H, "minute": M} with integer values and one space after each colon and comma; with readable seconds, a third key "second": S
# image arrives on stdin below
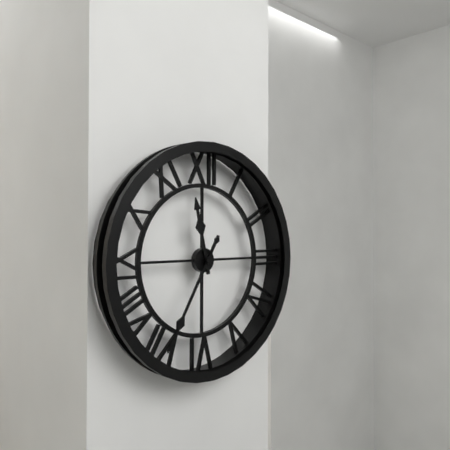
{"hour": 11, "minute": 35}
